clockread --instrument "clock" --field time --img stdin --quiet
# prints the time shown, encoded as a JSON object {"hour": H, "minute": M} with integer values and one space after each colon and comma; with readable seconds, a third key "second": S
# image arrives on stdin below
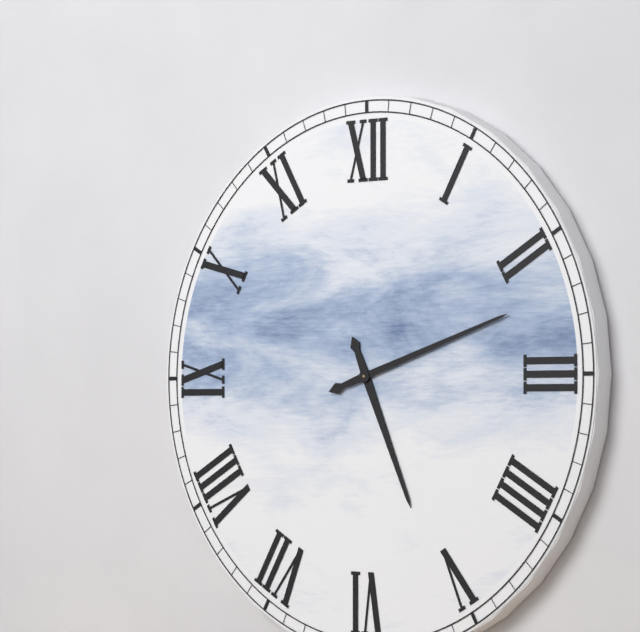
{"hour": 5, "minute": 12}
